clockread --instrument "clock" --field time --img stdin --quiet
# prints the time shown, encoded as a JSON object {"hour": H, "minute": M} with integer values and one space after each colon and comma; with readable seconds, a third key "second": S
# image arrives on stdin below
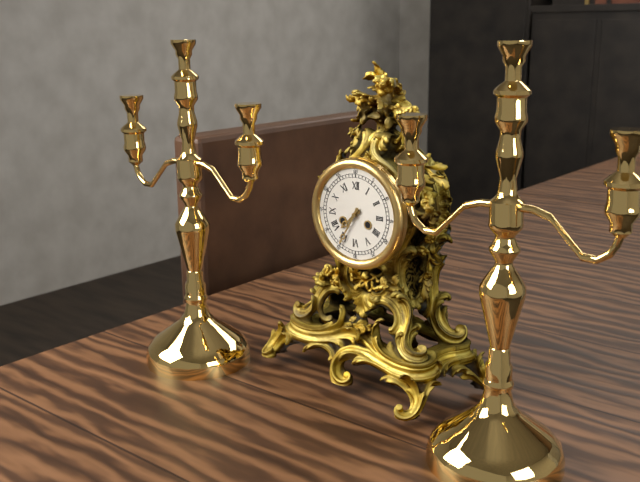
{"hour": 7, "minute": 35}
